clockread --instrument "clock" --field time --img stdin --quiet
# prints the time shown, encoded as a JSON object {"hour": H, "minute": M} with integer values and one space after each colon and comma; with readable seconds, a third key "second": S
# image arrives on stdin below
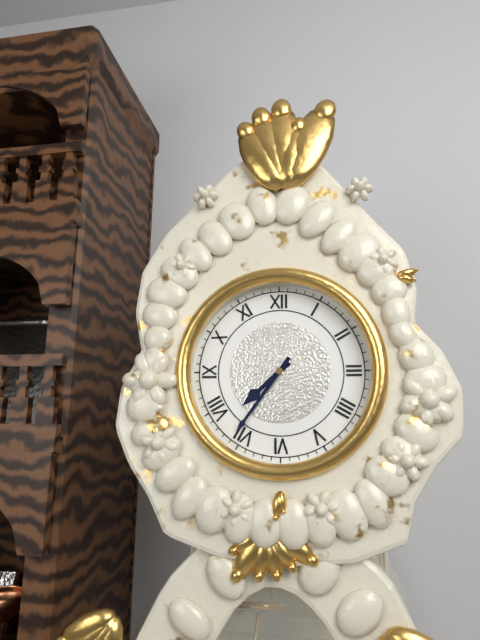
{"hour": 7, "minute": 36}
